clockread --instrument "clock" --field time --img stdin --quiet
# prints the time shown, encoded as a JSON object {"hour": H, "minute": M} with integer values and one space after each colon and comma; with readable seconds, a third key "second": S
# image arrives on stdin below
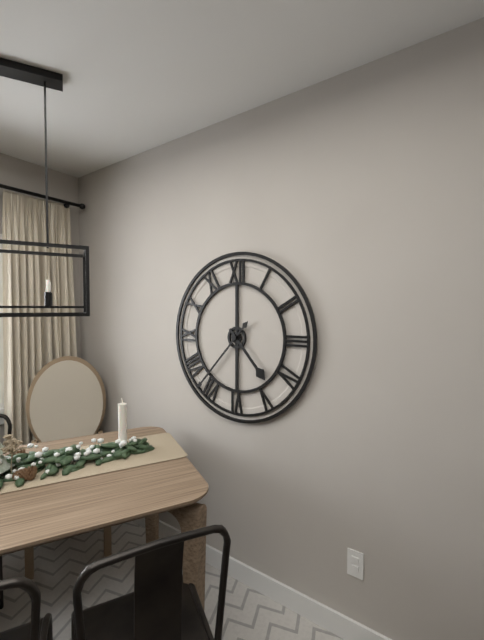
{"hour": 4, "minute": 37}
